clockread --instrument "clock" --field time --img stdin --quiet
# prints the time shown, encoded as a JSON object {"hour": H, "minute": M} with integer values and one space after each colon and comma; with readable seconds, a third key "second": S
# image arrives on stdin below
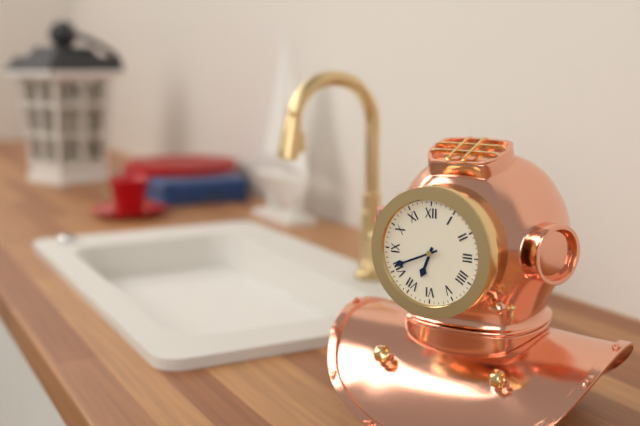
{"hour": 6, "minute": 41}
